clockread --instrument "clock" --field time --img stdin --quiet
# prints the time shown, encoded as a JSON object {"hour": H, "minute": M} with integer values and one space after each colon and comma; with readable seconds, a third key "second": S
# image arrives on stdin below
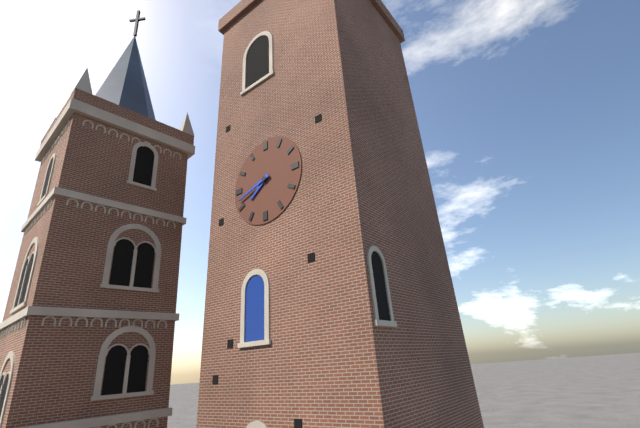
{"hour": 7, "minute": 42}
